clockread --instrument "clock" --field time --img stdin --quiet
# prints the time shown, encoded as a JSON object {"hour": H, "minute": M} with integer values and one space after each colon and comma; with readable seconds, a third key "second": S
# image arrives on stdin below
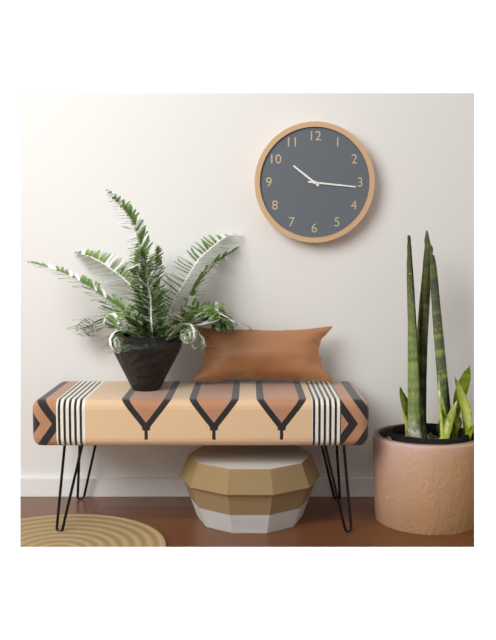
{"hour": 10, "minute": 16}
